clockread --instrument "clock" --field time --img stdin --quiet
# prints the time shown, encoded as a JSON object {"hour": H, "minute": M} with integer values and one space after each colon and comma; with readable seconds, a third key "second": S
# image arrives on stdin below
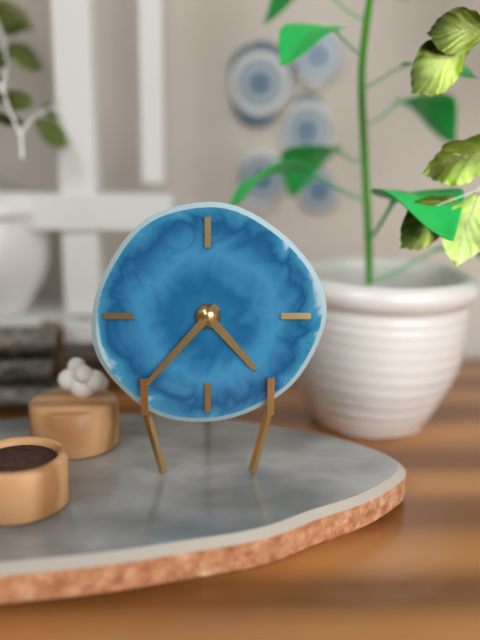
{"hour": 4, "minute": 37}
